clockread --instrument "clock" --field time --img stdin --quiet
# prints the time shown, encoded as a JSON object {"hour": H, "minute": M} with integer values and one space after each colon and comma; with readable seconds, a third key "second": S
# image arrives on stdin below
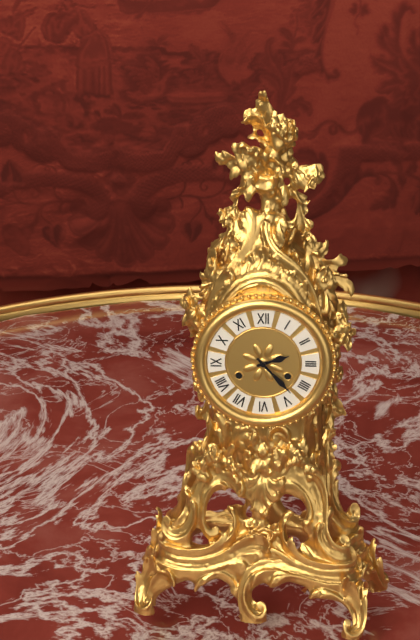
{"hour": 2, "minute": 23}
